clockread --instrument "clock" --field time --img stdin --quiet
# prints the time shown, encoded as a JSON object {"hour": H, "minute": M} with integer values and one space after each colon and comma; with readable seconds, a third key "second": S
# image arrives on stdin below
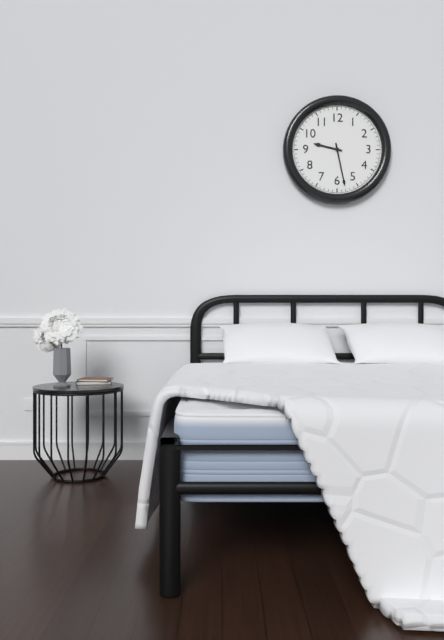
{"hour": 9, "minute": 28}
